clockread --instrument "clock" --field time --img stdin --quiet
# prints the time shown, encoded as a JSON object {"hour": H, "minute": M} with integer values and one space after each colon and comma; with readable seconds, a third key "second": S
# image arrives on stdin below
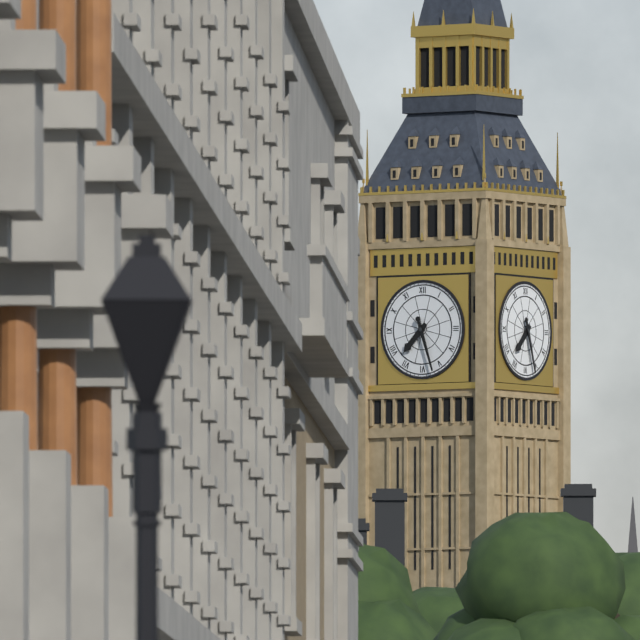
{"hour": 7, "minute": 27}
